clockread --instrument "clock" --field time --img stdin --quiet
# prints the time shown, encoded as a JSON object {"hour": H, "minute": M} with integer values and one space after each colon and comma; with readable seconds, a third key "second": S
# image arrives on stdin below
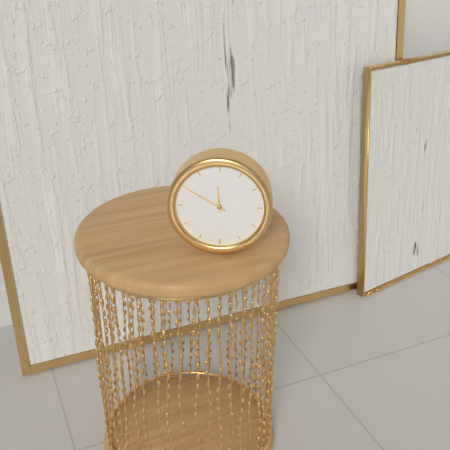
{"hour": 11, "minute": 50}
